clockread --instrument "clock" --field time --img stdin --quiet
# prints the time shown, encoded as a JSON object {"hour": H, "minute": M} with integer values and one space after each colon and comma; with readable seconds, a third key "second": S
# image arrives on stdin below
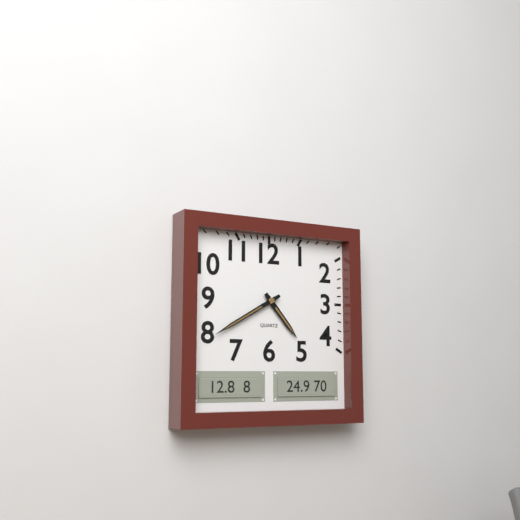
{"hour": 4, "minute": 40}
